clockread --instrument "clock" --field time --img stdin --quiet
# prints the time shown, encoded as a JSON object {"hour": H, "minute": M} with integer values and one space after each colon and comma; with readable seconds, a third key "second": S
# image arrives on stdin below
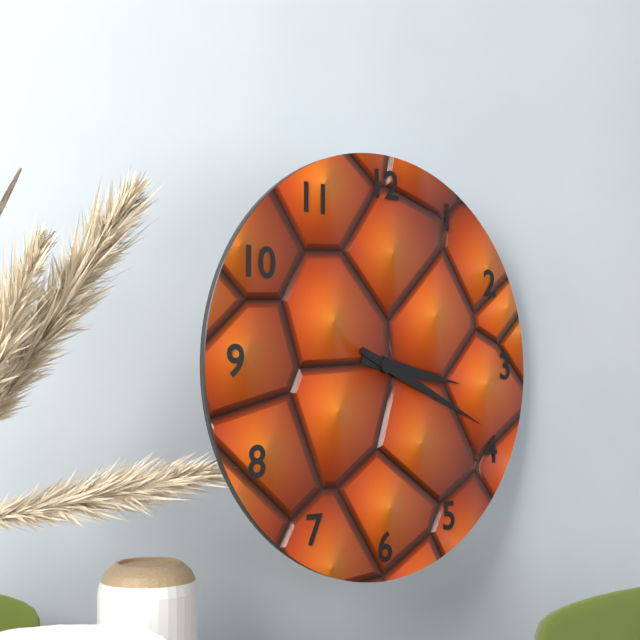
{"hour": 3, "minute": 19}
